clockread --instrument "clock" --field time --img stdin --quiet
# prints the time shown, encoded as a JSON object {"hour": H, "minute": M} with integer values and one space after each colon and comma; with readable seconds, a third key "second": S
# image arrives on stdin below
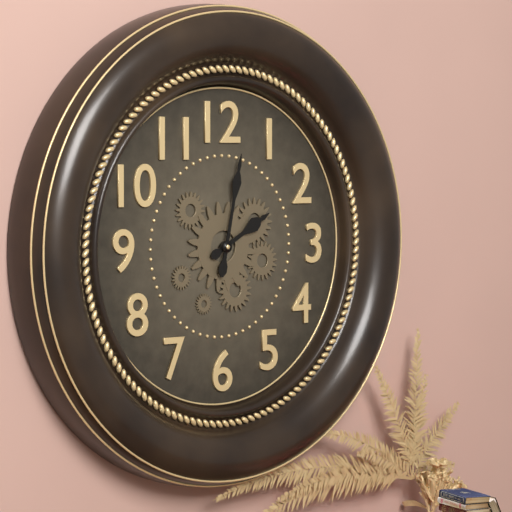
{"hour": 2, "minute": 2}
